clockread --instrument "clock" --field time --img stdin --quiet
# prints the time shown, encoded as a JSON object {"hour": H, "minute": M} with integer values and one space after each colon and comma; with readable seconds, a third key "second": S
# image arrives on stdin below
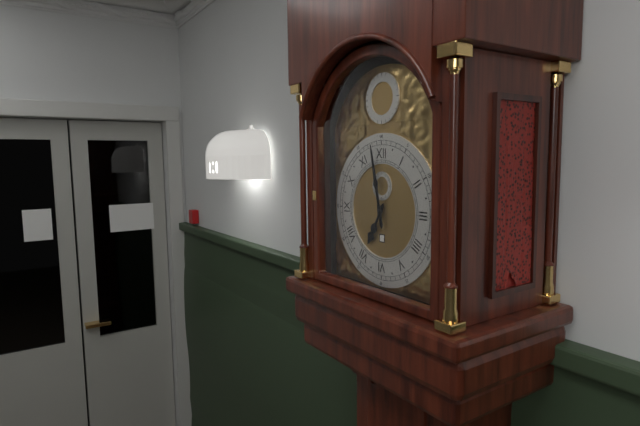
{"hour": 6, "minute": 58}
